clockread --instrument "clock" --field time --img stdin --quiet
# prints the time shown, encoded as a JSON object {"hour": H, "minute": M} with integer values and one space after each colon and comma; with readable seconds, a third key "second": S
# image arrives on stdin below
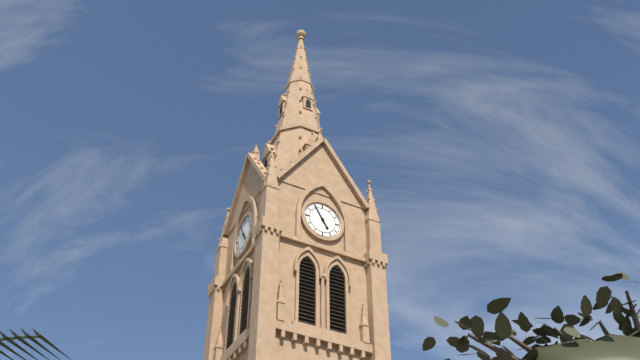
{"hour": 4, "minute": 55}
